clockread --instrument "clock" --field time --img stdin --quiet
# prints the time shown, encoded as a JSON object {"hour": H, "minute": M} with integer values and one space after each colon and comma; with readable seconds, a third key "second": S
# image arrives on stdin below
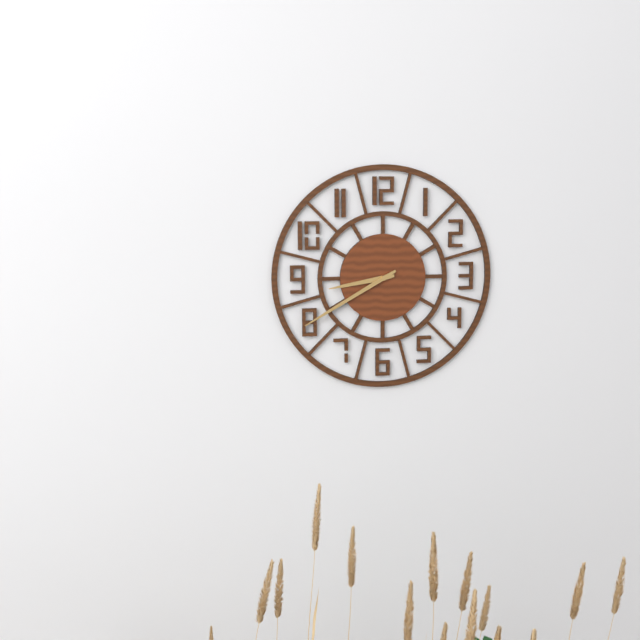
{"hour": 8, "minute": 40}
